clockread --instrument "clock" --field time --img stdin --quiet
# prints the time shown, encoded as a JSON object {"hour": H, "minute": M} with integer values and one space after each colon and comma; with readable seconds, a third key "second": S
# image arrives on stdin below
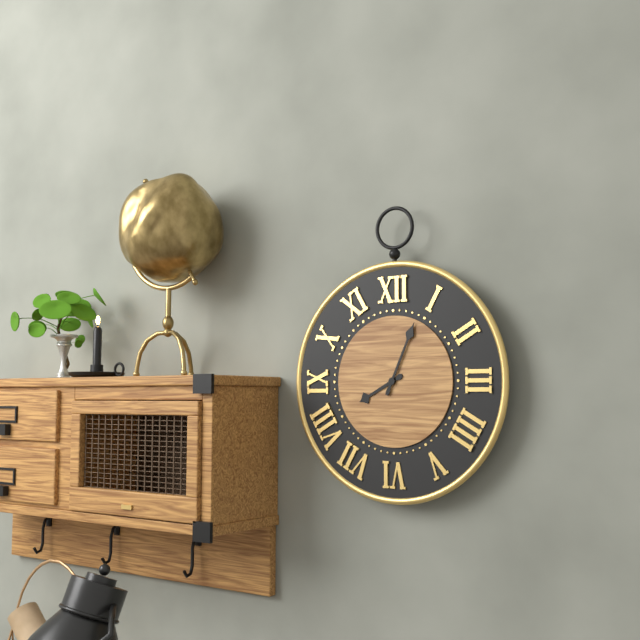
{"hour": 8, "minute": 4}
